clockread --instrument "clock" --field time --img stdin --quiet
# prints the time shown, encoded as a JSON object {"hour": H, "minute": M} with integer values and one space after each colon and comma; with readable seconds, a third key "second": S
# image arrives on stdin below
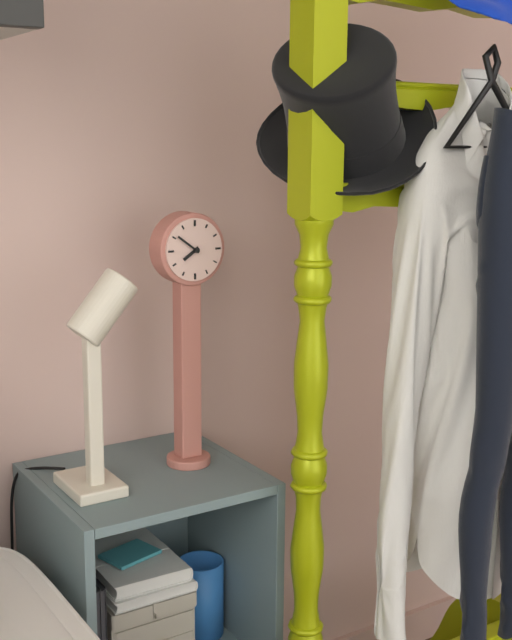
{"hour": 7, "minute": 51}
